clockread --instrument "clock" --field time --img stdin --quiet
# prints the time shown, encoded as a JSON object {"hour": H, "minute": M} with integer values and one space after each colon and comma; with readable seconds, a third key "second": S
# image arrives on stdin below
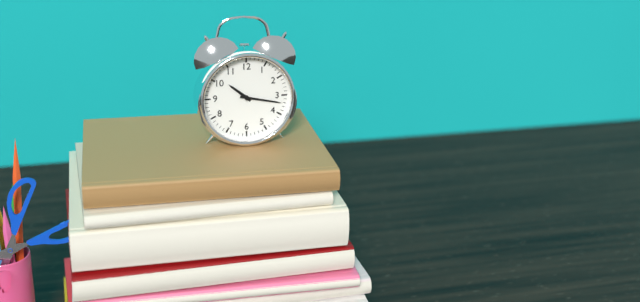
{"hour": 10, "minute": 17}
